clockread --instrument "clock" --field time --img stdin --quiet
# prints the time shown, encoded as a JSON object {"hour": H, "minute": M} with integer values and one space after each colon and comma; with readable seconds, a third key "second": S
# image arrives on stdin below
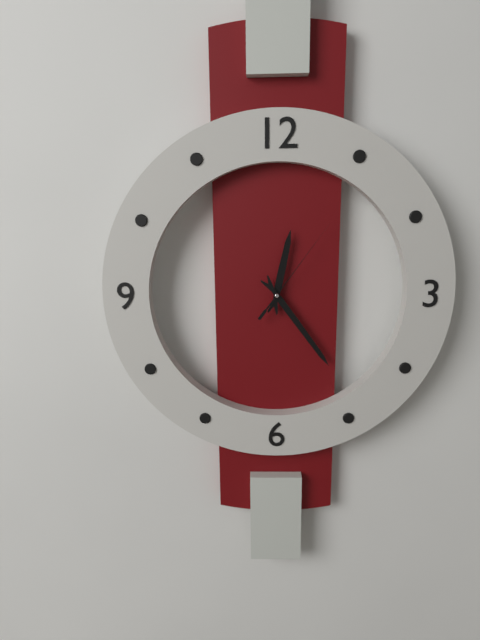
{"hour": 12, "minute": 24, "second": 6}
